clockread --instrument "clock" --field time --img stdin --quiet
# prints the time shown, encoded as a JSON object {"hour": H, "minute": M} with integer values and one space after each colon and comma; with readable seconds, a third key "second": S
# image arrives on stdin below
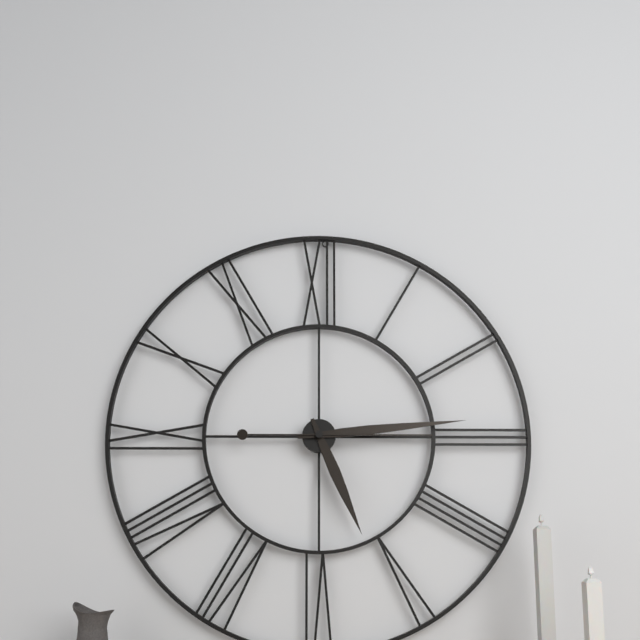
{"hour": 5, "minute": 14, "second": 15}
